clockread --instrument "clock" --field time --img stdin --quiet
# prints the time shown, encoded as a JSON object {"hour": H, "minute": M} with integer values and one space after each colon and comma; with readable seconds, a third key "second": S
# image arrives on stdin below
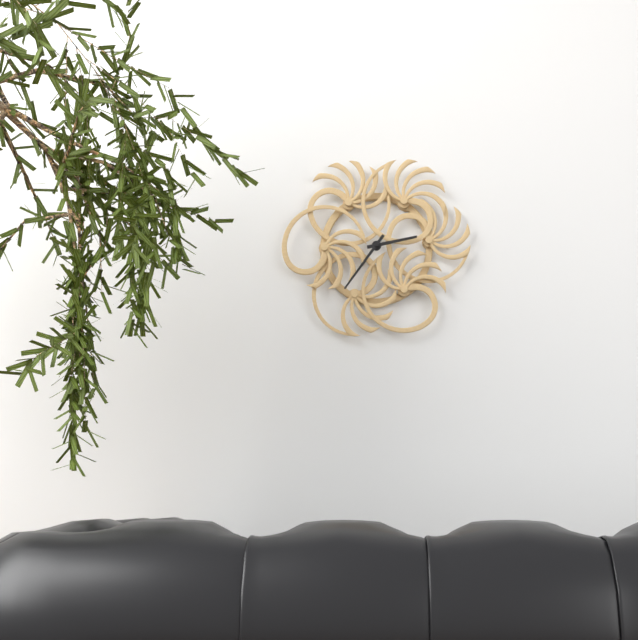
{"hour": 2, "minute": 36}
